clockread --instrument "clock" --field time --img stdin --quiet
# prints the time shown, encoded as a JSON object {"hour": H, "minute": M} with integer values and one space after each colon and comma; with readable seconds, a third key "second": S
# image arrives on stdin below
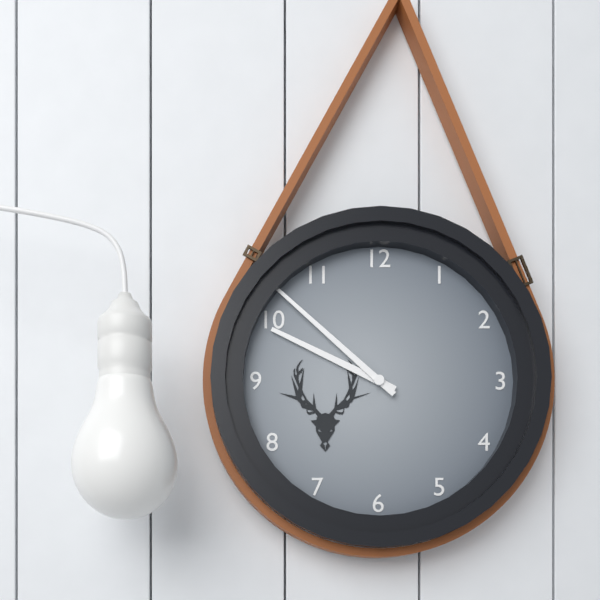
{"hour": 9, "minute": 52}
